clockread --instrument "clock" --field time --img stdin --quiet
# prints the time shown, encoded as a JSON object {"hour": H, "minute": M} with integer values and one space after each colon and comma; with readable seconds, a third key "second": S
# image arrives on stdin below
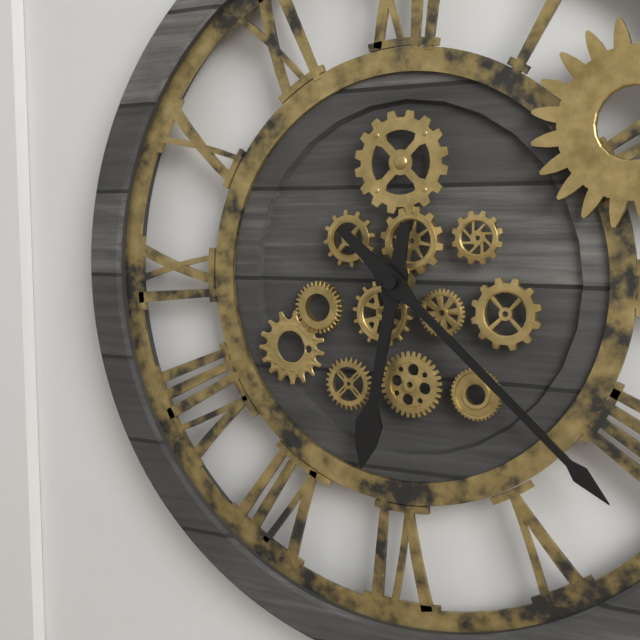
{"hour": 6, "minute": 22}
